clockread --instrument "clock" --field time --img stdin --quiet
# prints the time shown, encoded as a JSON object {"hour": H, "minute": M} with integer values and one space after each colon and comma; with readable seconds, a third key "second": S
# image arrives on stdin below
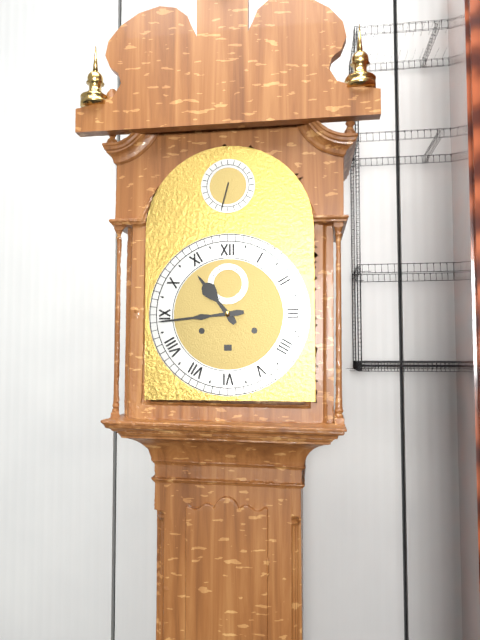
{"hour": 10, "minute": 44}
